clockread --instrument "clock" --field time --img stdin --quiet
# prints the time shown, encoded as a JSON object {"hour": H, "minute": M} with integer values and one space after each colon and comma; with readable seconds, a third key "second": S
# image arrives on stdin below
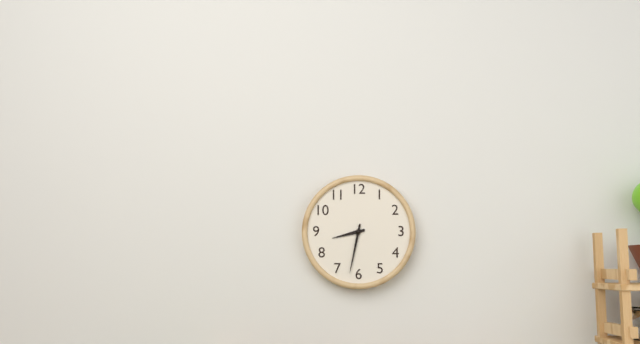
{"hour": 8, "minute": 32}
